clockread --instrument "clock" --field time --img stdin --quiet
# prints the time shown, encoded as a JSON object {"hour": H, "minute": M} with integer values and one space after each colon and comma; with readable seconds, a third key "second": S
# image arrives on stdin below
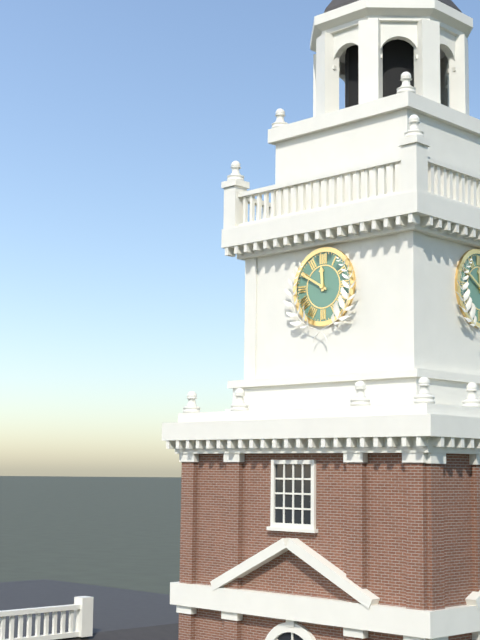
{"hour": 11, "minute": 50}
